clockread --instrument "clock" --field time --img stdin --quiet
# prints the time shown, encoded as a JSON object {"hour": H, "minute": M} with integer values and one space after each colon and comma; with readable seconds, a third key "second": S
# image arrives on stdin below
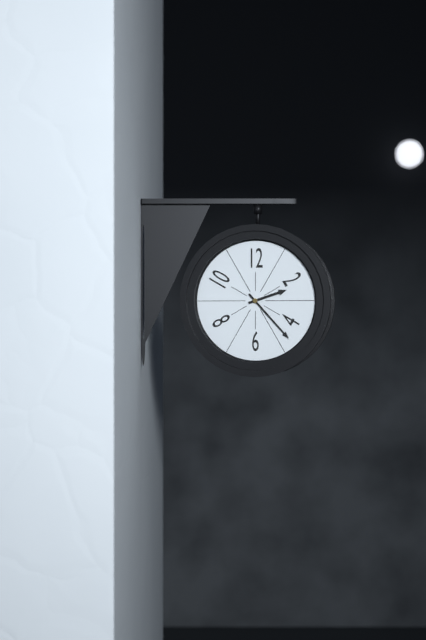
{"hour": 2, "minute": 23}
